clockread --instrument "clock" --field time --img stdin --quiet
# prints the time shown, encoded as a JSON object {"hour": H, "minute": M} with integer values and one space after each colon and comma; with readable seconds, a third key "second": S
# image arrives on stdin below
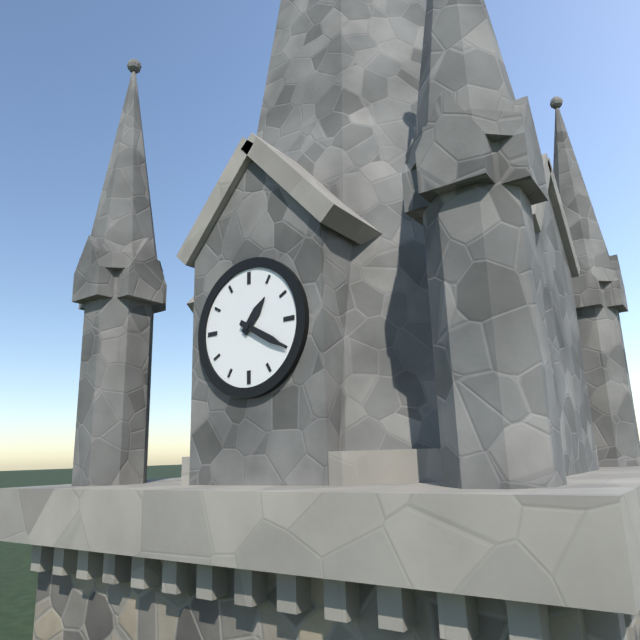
{"hour": 1, "minute": 20}
